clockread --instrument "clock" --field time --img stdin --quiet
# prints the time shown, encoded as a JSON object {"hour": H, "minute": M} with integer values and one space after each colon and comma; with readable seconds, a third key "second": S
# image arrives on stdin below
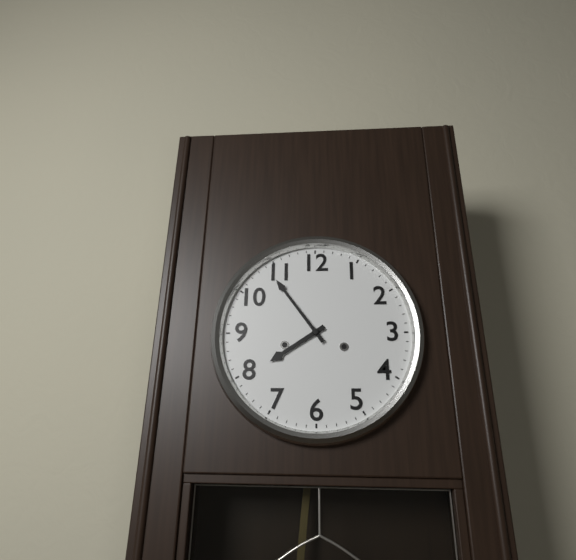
{"hour": 7, "minute": 54}
